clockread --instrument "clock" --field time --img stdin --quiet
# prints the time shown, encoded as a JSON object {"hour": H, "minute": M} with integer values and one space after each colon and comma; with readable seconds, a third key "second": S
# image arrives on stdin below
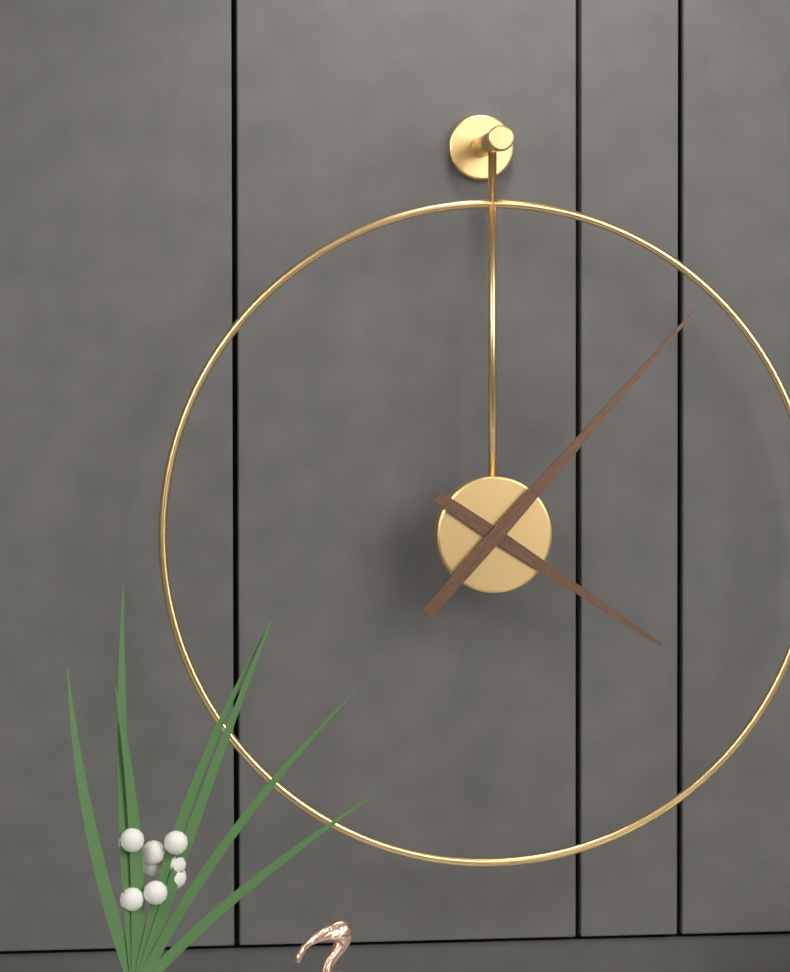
{"hour": 4, "minute": 7}
